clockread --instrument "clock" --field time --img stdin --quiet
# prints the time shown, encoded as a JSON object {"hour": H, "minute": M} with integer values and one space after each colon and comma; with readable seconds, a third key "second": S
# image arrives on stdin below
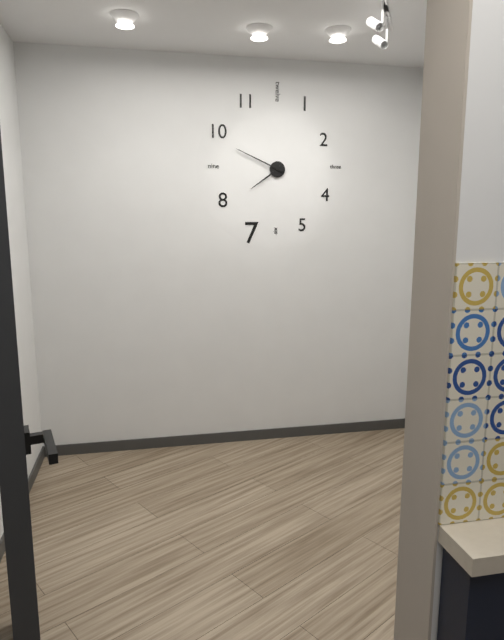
{"hour": 7, "minute": 49}
